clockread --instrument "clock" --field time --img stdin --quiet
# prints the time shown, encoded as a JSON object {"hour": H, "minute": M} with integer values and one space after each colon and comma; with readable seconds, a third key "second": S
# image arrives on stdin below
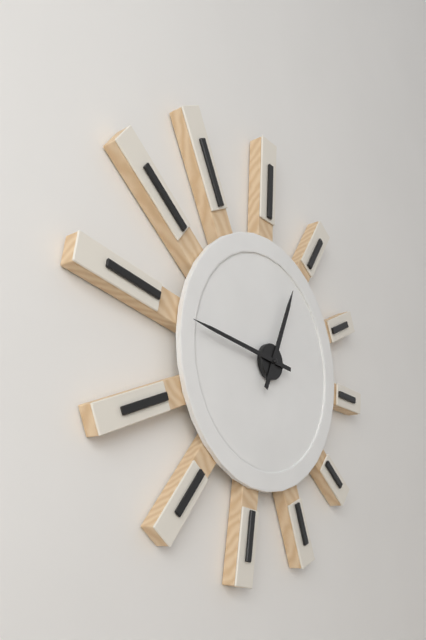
{"hour": 12, "minute": 46}
